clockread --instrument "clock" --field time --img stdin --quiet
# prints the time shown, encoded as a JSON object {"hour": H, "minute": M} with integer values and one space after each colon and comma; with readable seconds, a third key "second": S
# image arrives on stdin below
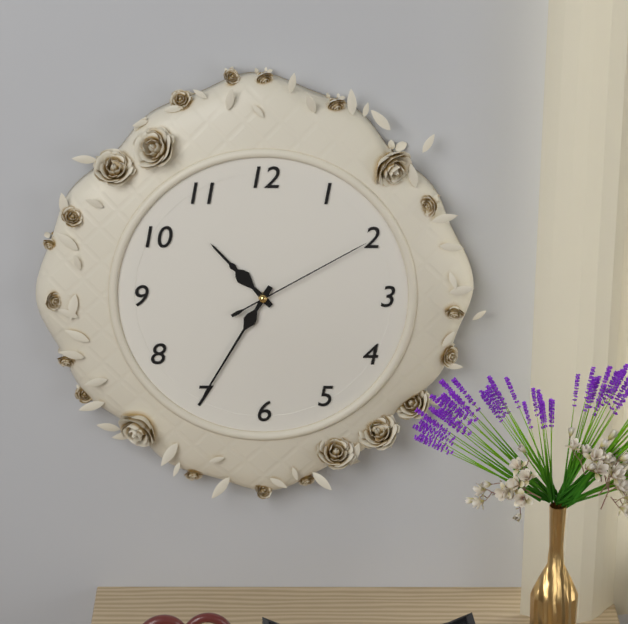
{"hour": 10, "minute": 35, "second": 10}
